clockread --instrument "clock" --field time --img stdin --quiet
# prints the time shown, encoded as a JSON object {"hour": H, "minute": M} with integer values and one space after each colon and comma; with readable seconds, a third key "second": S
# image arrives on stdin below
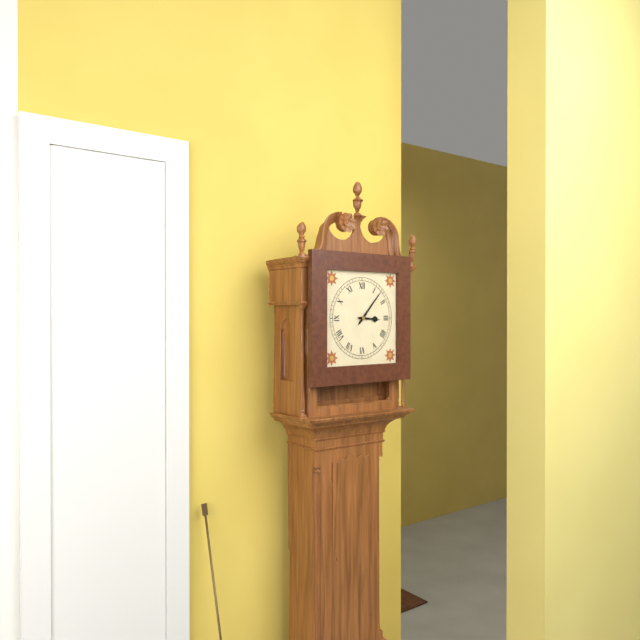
{"hour": 3, "minute": 7}
